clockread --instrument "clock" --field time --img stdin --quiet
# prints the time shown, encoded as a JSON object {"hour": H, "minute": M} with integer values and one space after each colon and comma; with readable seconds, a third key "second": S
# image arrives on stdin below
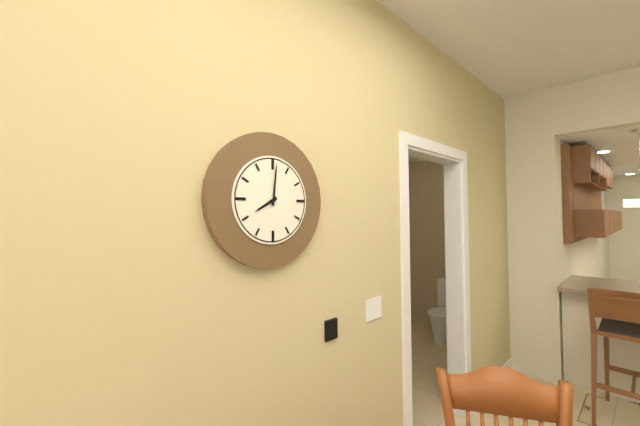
{"hour": 8, "minute": 1}
